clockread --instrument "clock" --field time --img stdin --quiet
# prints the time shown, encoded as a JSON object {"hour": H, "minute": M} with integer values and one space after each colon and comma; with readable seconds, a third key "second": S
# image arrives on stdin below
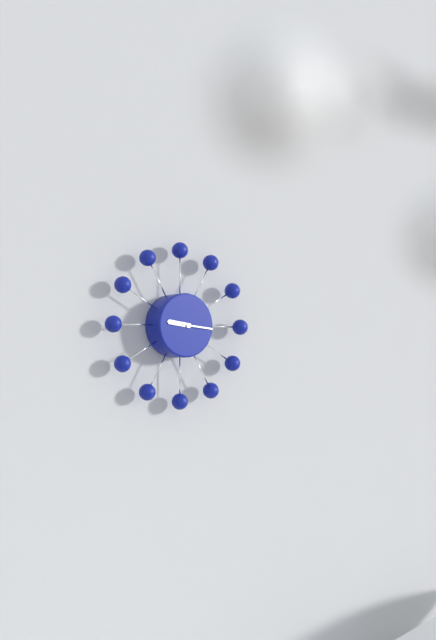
{"hour": 9, "minute": 16}
